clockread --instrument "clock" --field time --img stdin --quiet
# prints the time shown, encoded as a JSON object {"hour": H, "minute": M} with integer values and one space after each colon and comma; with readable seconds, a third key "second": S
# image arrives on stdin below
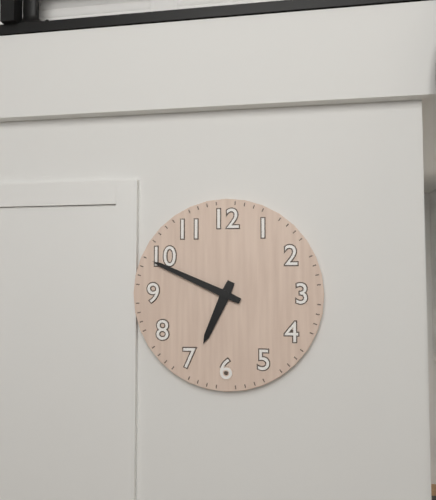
{"hour": 6, "minute": 49}
